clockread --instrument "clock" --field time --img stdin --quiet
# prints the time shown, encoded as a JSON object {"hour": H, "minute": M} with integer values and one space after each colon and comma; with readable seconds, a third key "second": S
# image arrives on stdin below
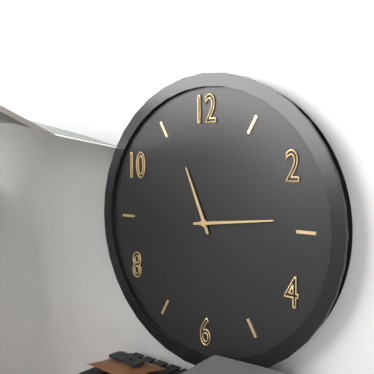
{"hour": 11, "minute": 14}
